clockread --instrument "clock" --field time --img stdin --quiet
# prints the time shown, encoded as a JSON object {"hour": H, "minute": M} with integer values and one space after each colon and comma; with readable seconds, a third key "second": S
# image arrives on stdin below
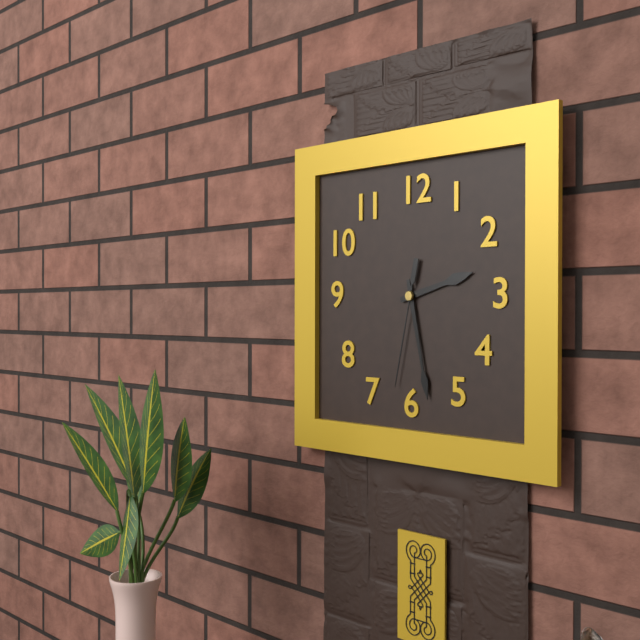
{"hour": 2, "minute": 28, "second": 32}
